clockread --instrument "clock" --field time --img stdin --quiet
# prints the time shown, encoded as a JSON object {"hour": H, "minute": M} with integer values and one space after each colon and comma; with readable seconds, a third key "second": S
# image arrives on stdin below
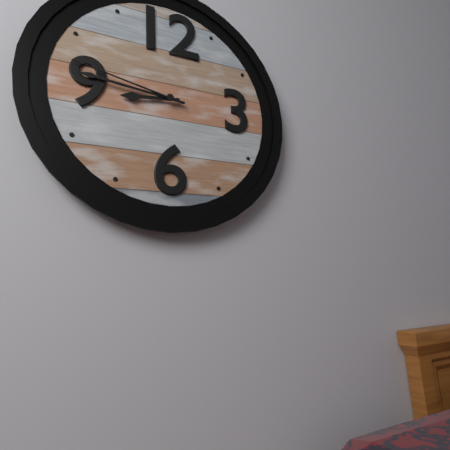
{"hour": 8, "minute": 46, "second": 47}
